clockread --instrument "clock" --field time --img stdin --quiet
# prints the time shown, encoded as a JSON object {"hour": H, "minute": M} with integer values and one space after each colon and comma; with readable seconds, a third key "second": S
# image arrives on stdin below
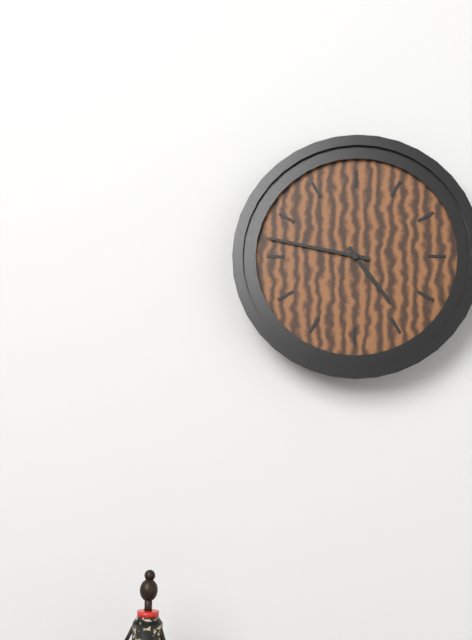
{"hour": 4, "minute": 47}
